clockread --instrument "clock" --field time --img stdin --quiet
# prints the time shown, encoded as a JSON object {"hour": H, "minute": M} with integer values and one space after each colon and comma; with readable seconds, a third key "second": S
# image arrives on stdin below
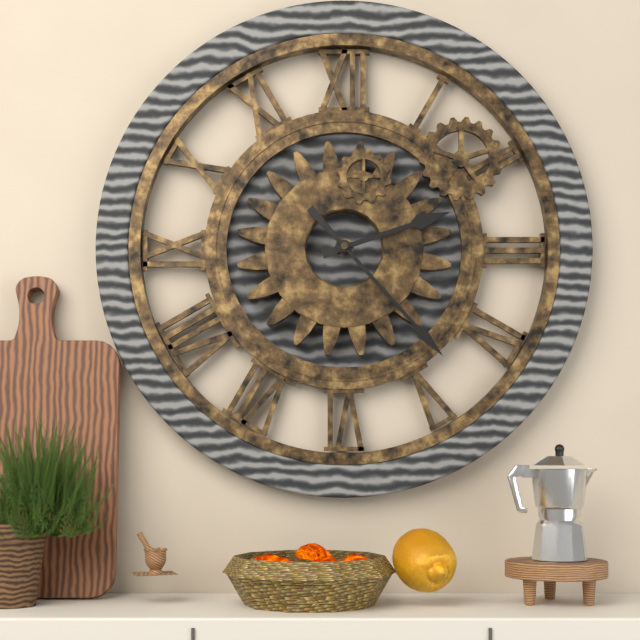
{"hour": 2, "minute": 23}
